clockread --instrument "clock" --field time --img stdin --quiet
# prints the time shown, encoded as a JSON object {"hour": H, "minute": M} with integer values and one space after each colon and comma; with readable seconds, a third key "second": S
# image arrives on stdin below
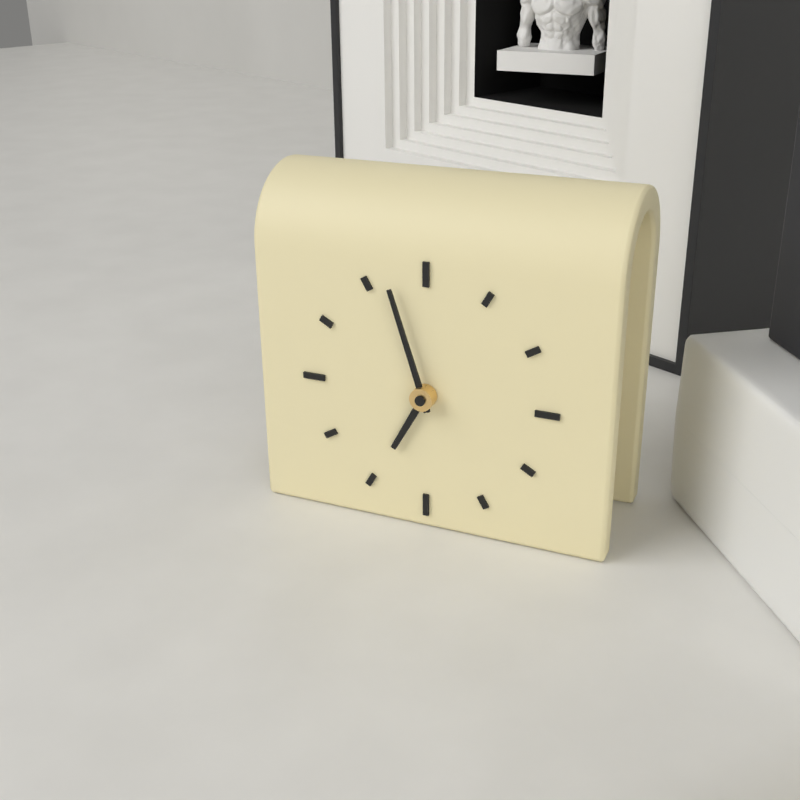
{"hour": 6, "minute": 57}
